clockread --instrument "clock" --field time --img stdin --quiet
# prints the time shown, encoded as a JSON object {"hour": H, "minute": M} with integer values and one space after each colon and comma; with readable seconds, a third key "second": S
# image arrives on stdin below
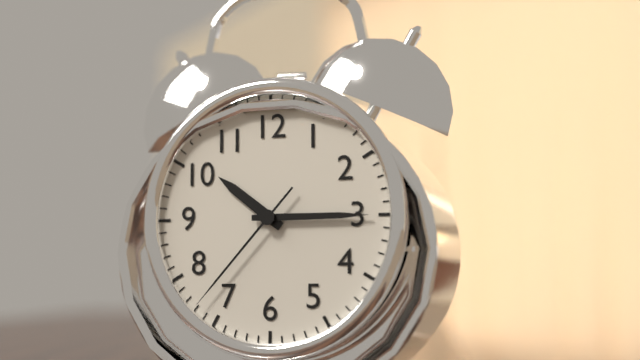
{"hour": 10, "minute": 15, "second": 37}
